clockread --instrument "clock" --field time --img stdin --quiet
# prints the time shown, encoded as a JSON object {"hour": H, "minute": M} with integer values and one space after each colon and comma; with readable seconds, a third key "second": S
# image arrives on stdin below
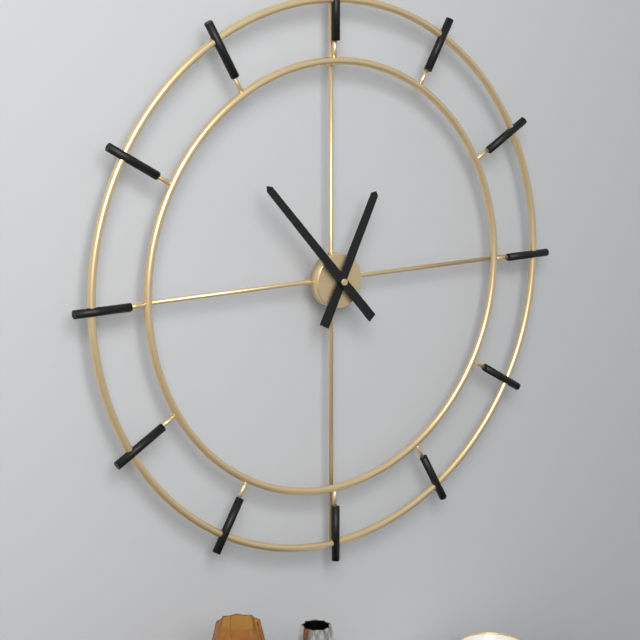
{"hour": 12, "minute": 53}
